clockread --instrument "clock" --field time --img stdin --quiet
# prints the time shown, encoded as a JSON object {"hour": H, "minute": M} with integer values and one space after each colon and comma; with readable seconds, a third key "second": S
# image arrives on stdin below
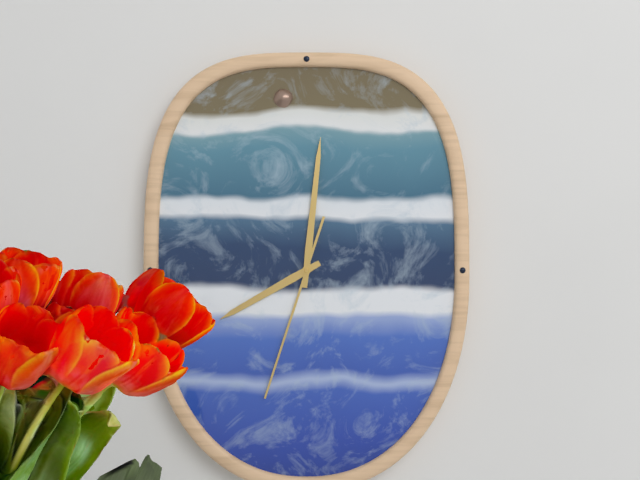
{"hour": 8, "minute": 1, "second": 33}
